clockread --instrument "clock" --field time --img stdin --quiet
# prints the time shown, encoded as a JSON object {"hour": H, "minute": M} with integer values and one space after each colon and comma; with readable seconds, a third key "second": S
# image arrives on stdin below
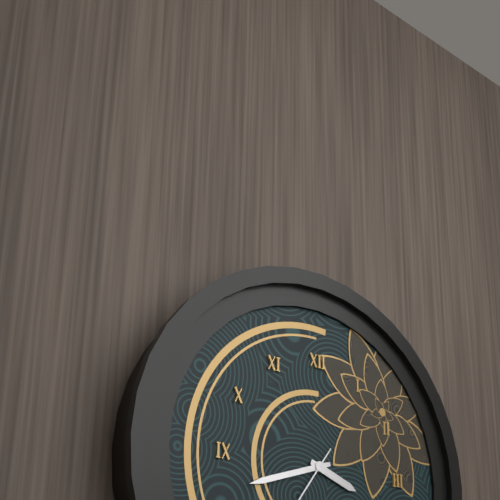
{"hour": 3, "minute": 42}
